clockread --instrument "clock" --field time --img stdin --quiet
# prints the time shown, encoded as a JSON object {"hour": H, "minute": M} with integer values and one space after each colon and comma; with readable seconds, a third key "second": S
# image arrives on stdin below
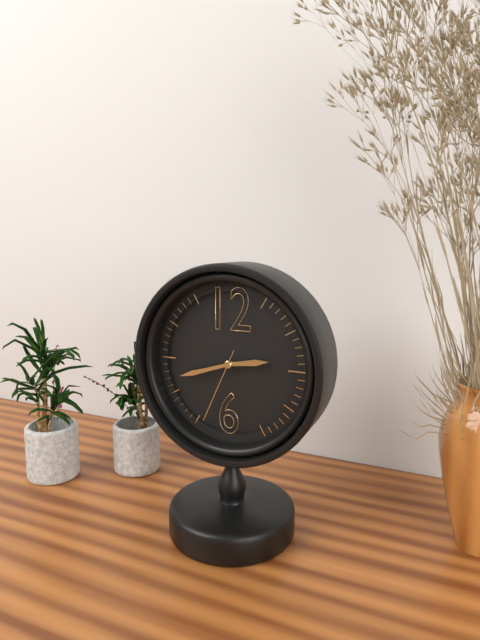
{"hour": 2, "minute": 42, "second": 34}
